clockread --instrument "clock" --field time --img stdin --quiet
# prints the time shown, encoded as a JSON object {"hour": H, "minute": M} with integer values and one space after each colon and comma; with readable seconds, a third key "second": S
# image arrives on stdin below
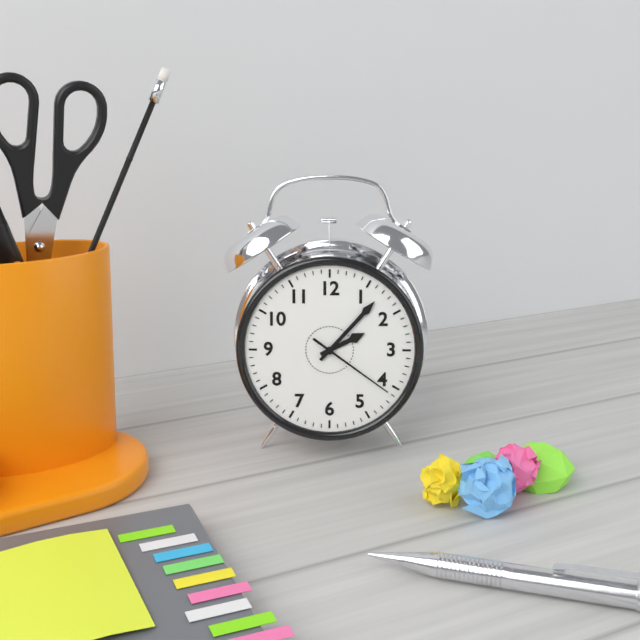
{"hour": 2, "minute": 7, "second": 21}
